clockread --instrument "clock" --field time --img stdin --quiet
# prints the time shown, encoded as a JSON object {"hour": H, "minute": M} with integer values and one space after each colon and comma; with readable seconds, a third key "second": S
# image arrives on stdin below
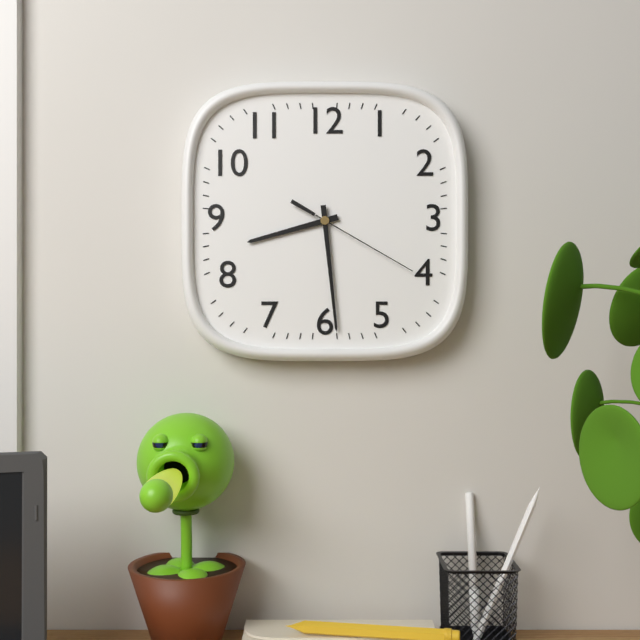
{"hour": 8, "minute": 29, "second": 20}
